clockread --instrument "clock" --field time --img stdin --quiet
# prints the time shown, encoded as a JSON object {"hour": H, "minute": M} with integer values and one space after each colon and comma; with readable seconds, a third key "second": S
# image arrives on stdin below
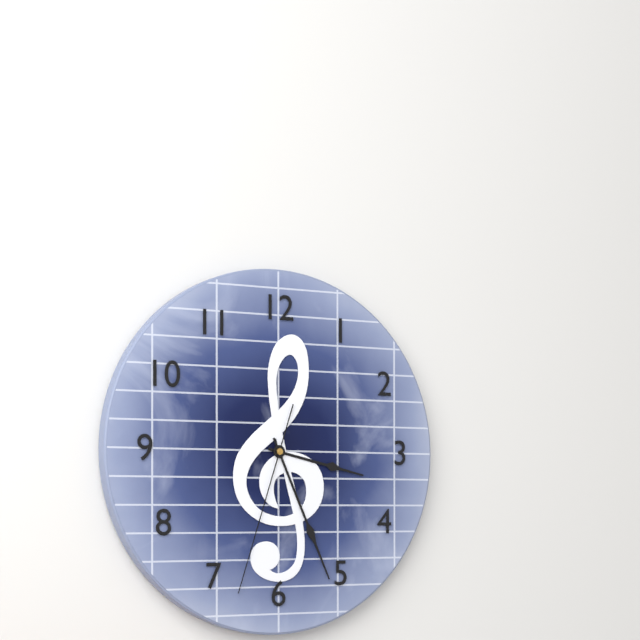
{"hour": 3, "minute": 26, "second": 33}
